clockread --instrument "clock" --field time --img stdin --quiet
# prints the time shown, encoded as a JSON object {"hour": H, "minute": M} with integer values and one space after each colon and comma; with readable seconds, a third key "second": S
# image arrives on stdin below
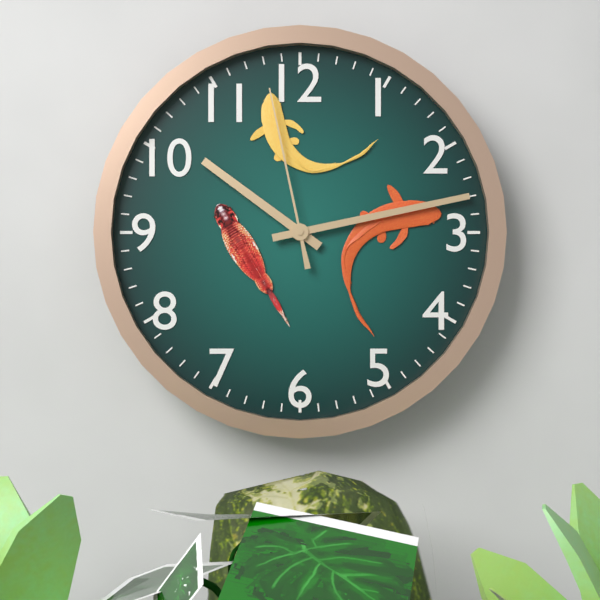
{"hour": 10, "minute": 13, "second": 58}
